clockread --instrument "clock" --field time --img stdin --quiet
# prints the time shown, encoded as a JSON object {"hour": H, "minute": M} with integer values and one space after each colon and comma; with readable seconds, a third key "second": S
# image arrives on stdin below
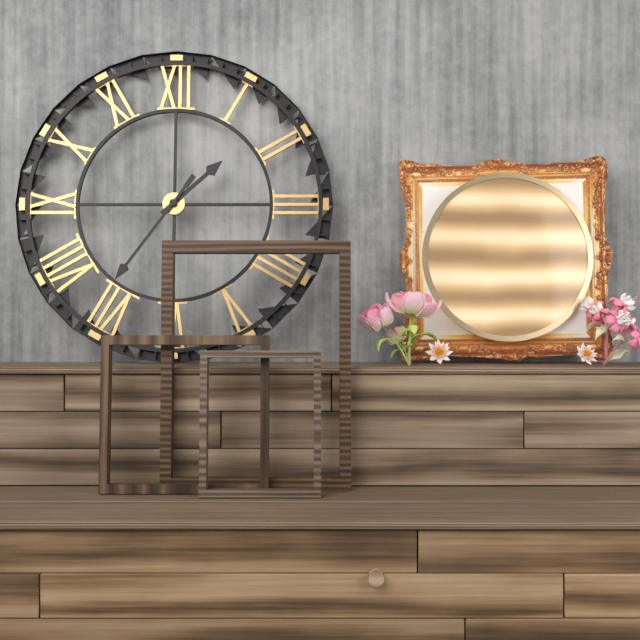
{"hour": 1, "minute": 36}
